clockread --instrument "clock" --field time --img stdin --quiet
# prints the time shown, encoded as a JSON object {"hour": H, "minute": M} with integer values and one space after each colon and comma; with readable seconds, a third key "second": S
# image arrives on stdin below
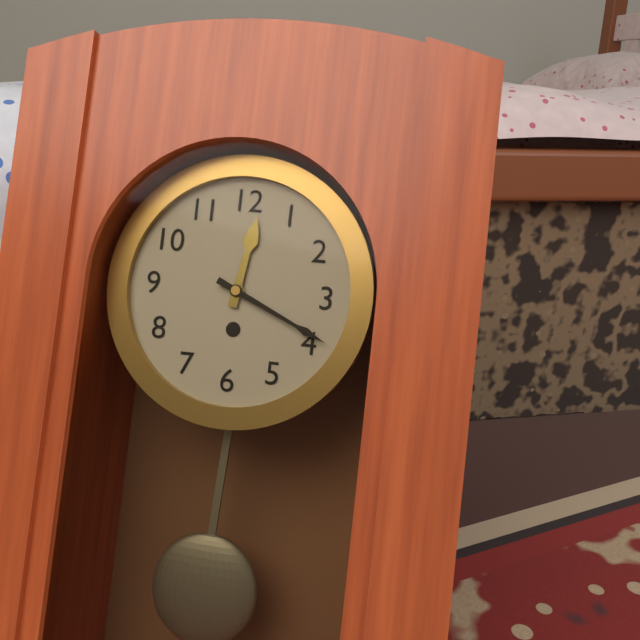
{"hour": 12, "minute": 19}
